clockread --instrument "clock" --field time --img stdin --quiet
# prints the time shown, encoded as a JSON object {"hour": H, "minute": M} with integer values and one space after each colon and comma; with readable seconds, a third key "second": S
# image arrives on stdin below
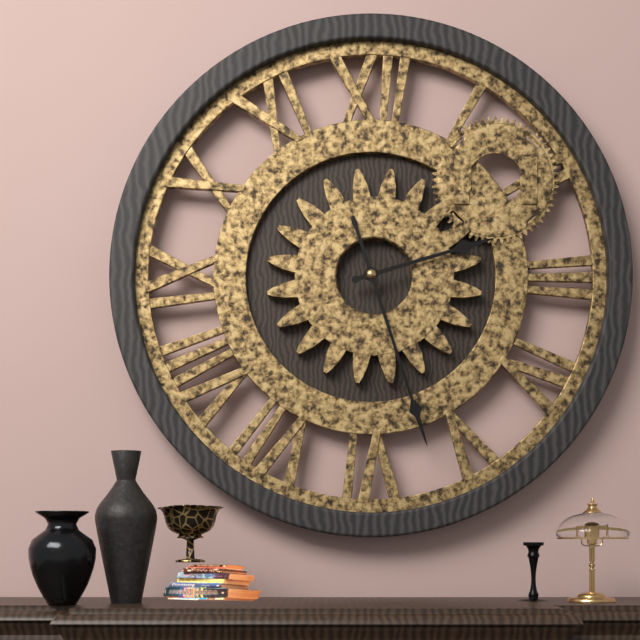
{"hour": 2, "minute": 27}
